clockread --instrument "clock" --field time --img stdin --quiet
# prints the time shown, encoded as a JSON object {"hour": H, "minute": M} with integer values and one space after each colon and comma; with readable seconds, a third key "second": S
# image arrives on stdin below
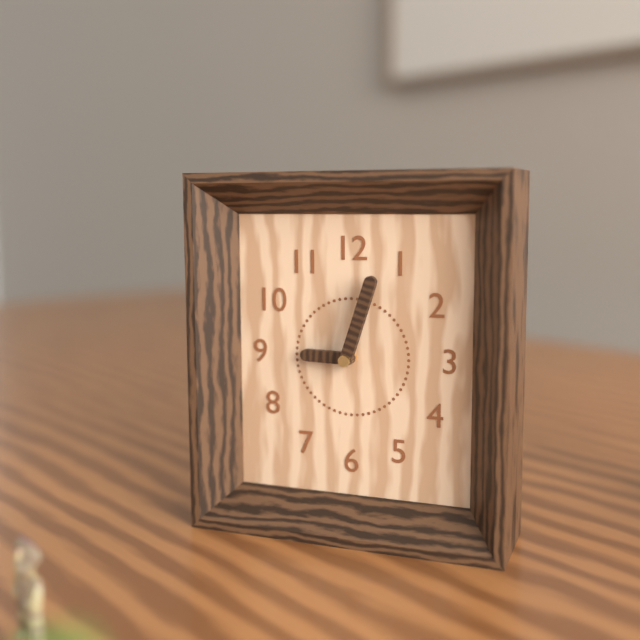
{"hour": 9, "minute": 3}
